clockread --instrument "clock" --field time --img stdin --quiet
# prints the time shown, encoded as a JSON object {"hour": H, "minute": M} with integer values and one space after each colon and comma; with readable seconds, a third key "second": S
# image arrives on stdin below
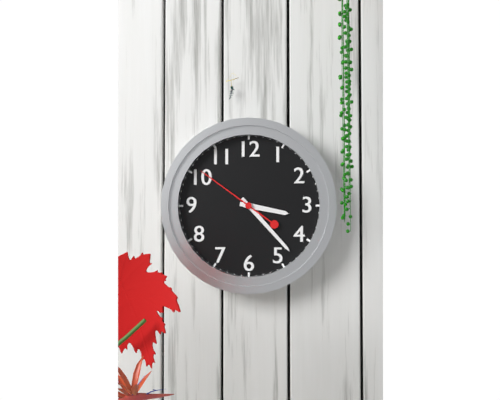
{"hour": 3, "minute": 23, "second": 51}
